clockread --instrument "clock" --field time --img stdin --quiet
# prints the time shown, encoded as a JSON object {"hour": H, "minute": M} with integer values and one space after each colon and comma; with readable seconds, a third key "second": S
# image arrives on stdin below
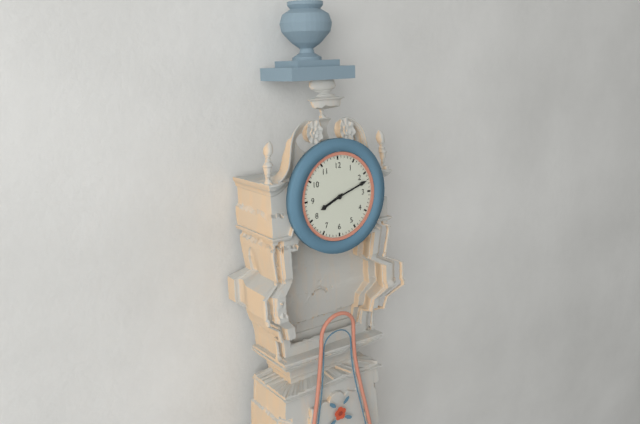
{"hour": 8, "minute": 12}
